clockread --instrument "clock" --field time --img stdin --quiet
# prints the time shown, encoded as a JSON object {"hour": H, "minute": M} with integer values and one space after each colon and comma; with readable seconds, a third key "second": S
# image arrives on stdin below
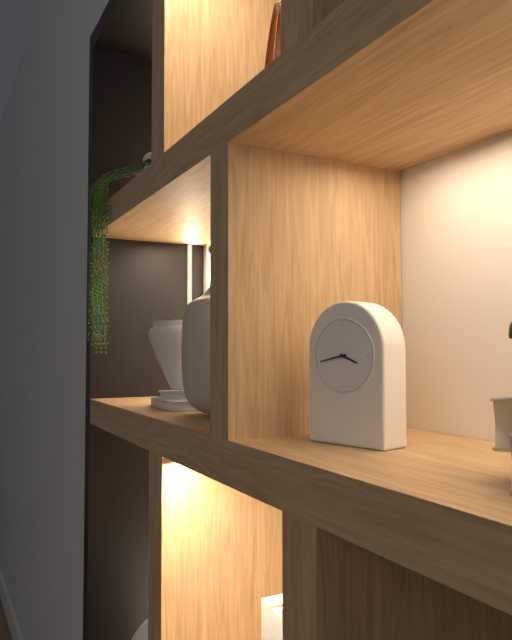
{"hour": 3, "minute": 43}
